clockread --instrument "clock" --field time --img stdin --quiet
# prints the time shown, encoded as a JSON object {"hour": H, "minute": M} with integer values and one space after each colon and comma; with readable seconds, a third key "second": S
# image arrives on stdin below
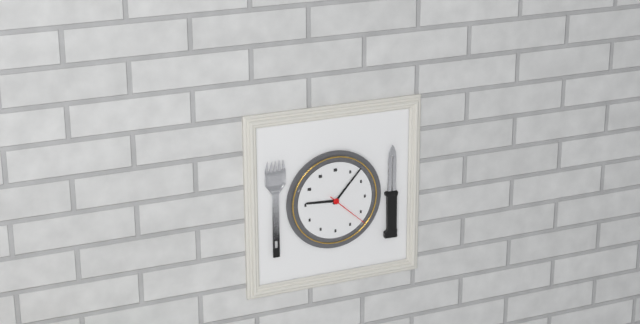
{"hour": 9, "minute": 7}
